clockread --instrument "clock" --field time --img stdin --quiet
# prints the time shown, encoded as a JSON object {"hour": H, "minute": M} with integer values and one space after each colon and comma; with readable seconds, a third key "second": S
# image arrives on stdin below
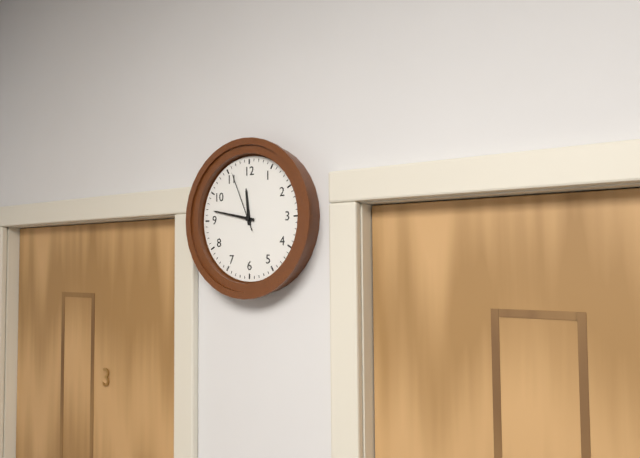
{"hour": 11, "minute": 47, "second": 56}
